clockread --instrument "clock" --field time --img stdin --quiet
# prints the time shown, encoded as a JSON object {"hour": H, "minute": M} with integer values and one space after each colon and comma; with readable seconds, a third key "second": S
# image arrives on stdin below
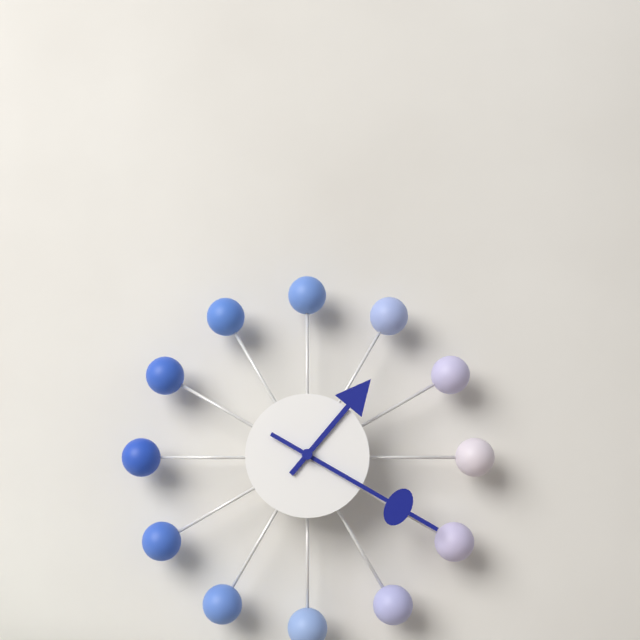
{"hour": 1, "minute": 20}
